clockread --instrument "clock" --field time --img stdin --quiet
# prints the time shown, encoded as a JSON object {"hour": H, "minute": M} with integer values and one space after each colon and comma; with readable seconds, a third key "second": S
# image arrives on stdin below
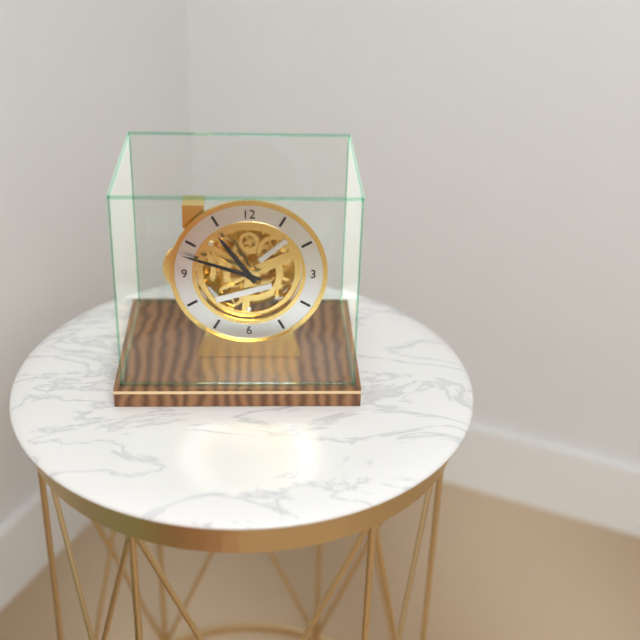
{"hour": 10, "minute": 48}
